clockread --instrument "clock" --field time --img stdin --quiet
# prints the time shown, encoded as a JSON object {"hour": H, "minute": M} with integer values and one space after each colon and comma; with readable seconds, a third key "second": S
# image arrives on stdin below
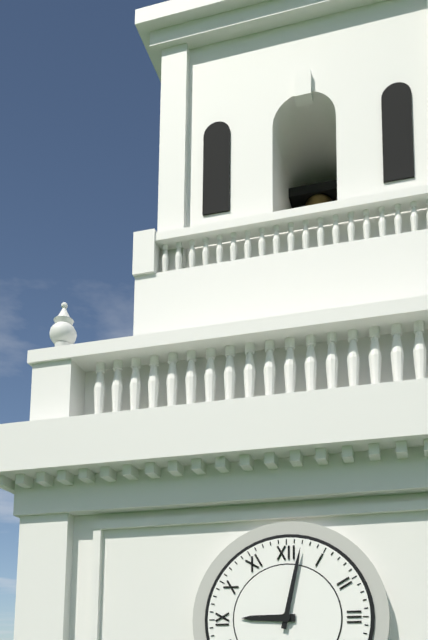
{"hour": 9, "minute": 2}
